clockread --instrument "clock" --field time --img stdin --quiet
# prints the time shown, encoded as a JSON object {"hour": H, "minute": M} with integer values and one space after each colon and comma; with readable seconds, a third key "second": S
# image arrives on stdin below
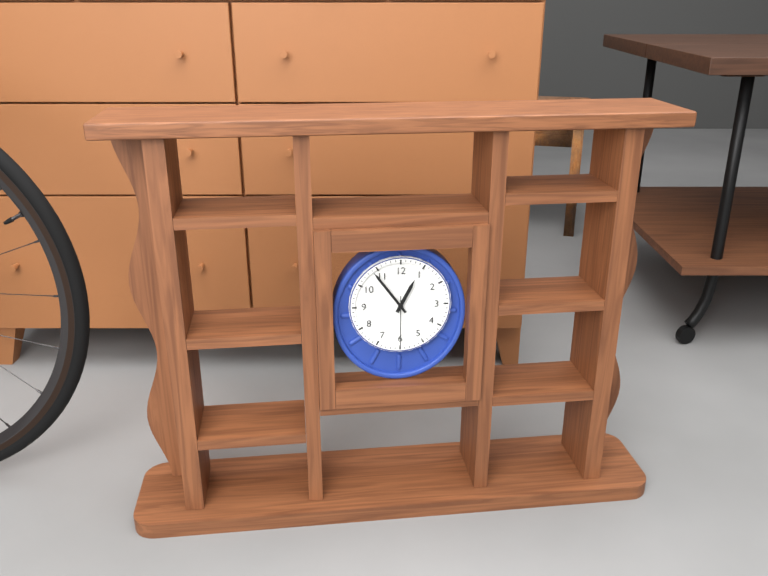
{"hour": 12, "minute": 54, "second": 30}
